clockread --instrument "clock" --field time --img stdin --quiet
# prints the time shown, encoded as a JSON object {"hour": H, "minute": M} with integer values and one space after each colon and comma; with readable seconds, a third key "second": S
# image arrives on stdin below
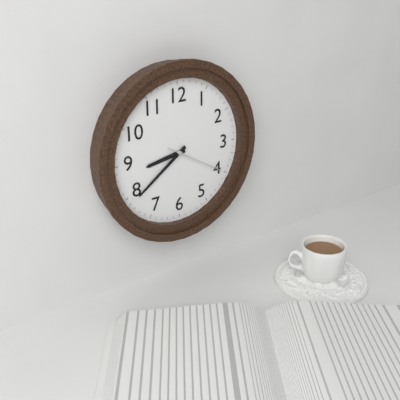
{"hour": 8, "minute": 39, "second": 20}
